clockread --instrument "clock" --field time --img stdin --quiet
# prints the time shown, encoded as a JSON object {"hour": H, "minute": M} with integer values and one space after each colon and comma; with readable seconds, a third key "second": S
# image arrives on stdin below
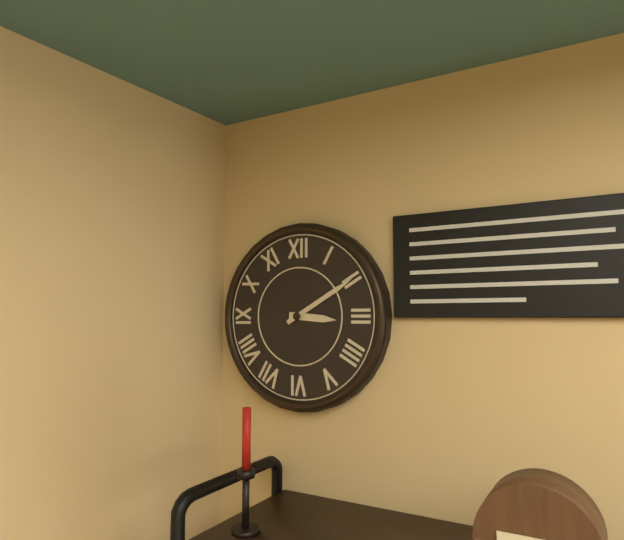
{"hour": 3, "minute": 10}
